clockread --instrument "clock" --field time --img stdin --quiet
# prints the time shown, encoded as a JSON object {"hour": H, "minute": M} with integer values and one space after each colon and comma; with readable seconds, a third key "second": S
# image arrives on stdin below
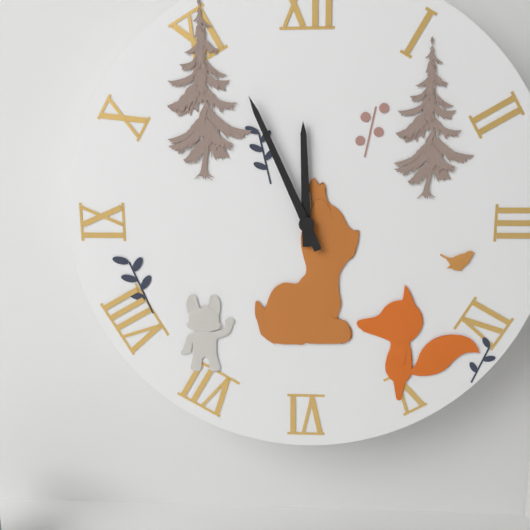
{"hour": 11, "minute": 56}
